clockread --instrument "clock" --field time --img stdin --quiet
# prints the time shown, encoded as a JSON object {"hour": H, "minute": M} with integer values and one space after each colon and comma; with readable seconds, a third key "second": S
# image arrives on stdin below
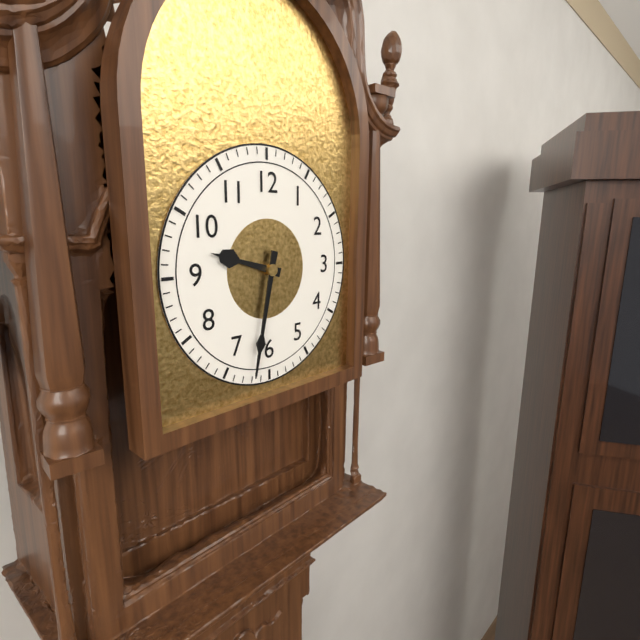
{"hour": 9, "minute": 32}
